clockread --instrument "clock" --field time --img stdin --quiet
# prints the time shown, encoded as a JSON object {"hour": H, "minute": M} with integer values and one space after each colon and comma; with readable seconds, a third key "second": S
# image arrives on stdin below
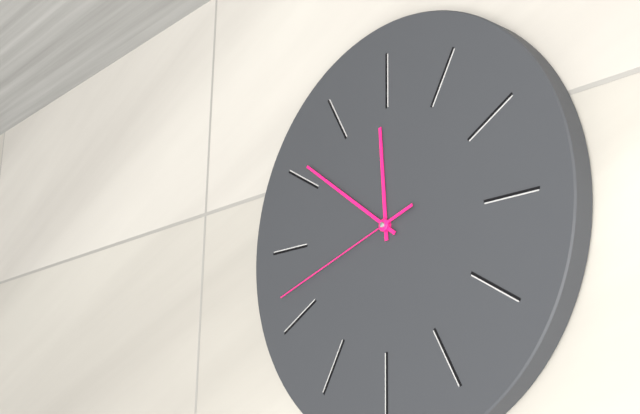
{"hour": 11, "minute": 51, "second": 42}
